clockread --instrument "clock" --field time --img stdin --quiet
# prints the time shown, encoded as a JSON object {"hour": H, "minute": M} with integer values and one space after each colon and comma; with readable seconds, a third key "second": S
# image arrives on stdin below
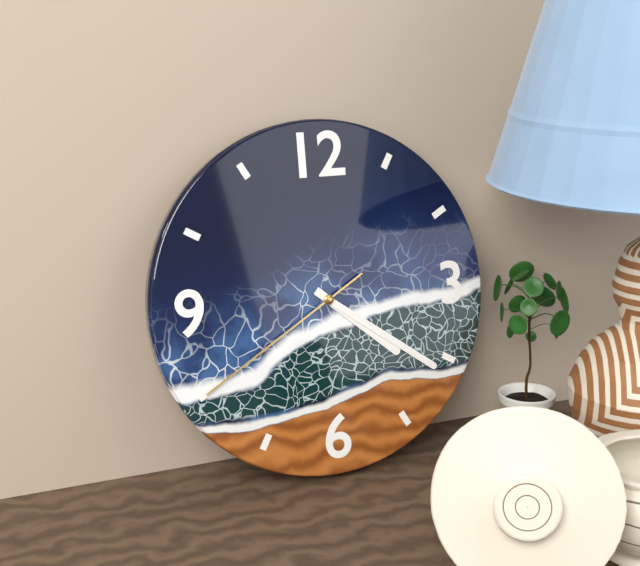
{"hour": 4, "minute": 21, "second": 40}
